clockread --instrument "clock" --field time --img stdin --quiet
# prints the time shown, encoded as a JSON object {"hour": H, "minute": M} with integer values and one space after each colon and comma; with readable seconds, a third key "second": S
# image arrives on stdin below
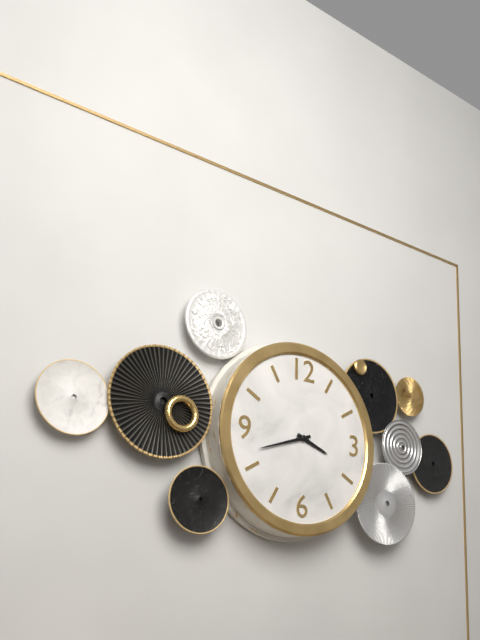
{"hour": 3, "minute": 42}
